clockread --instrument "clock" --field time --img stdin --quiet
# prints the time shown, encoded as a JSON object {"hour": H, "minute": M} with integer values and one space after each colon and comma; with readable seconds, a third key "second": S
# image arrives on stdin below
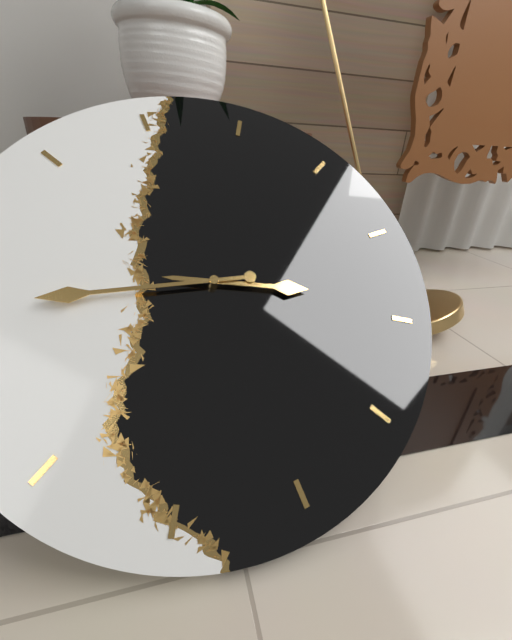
{"hour": 3, "minute": 47}
